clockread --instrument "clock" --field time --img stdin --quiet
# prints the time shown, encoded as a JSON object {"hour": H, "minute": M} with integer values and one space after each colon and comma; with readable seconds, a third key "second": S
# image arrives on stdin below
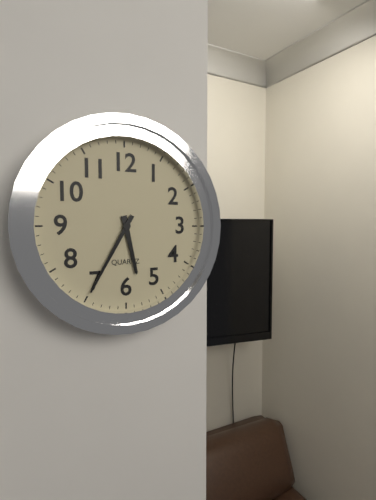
{"hour": 5, "minute": 35}
